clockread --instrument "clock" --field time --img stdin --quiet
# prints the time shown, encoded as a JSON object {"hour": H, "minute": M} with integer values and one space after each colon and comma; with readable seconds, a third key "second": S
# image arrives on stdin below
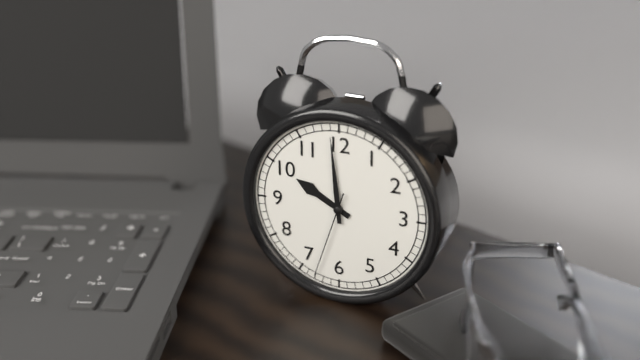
{"hour": 9, "minute": 59, "second": 33}
